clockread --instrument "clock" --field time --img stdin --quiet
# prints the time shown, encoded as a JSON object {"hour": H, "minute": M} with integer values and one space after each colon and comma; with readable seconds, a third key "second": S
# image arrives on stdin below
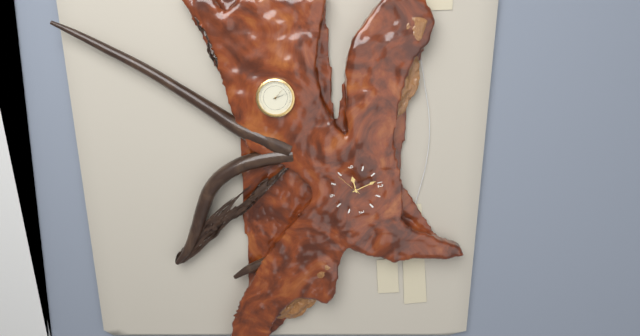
{"hour": 8, "minute": 58}
